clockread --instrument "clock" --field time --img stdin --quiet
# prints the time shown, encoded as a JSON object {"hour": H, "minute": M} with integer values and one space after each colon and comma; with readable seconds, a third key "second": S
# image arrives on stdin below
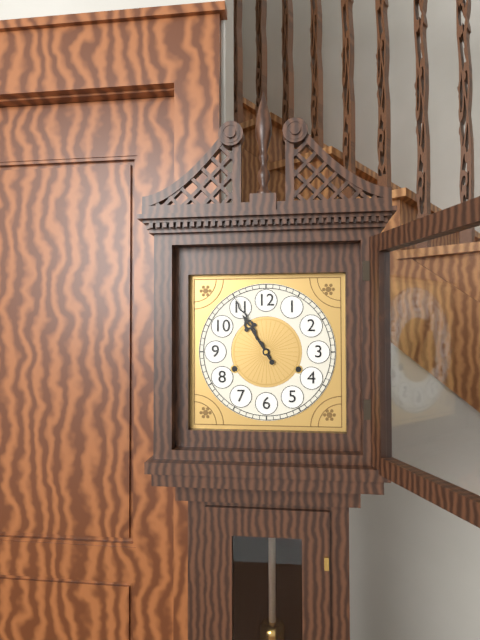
{"hour": 10, "minute": 55}
